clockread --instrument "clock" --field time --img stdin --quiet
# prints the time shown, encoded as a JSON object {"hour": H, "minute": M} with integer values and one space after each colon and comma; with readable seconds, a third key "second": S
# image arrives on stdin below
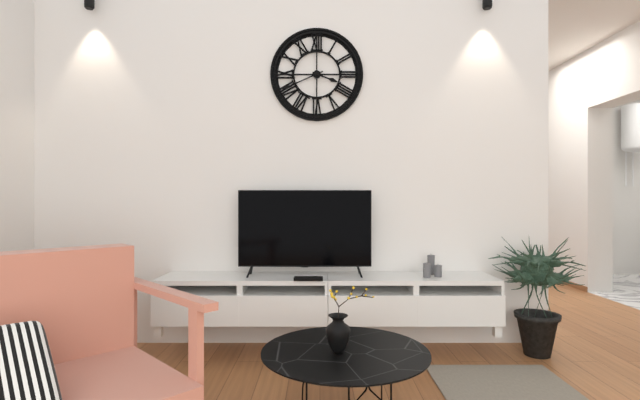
{"hour": 3, "minute": 41}
